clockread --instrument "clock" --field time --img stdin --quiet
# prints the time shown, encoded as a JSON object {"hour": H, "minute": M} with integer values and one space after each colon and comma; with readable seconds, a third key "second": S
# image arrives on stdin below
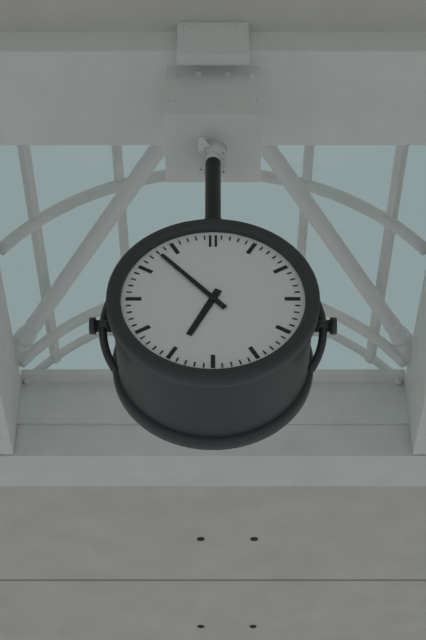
{"hour": 6, "minute": 53}
